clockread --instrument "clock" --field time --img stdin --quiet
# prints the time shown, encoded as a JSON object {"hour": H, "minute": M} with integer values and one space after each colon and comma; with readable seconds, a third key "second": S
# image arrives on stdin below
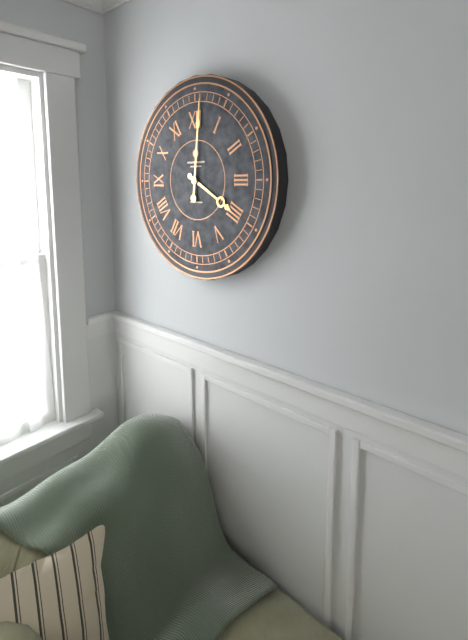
{"hour": 4, "minute": 1}
